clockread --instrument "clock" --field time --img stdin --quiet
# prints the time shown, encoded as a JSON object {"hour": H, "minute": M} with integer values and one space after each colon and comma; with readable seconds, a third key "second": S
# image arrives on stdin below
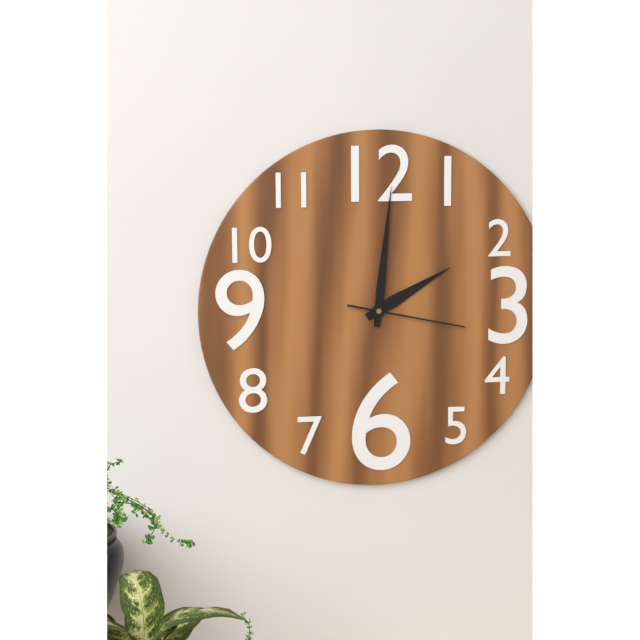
{"hour": 2, "minute": 1, "second": 17}
